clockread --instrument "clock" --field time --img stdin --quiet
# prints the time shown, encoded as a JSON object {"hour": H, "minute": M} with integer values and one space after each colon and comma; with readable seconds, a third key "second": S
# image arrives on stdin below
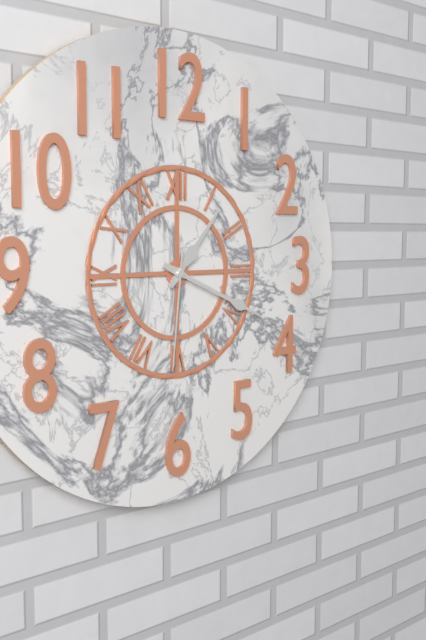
{"hour": 1, "minute": 19, "second": 31}
